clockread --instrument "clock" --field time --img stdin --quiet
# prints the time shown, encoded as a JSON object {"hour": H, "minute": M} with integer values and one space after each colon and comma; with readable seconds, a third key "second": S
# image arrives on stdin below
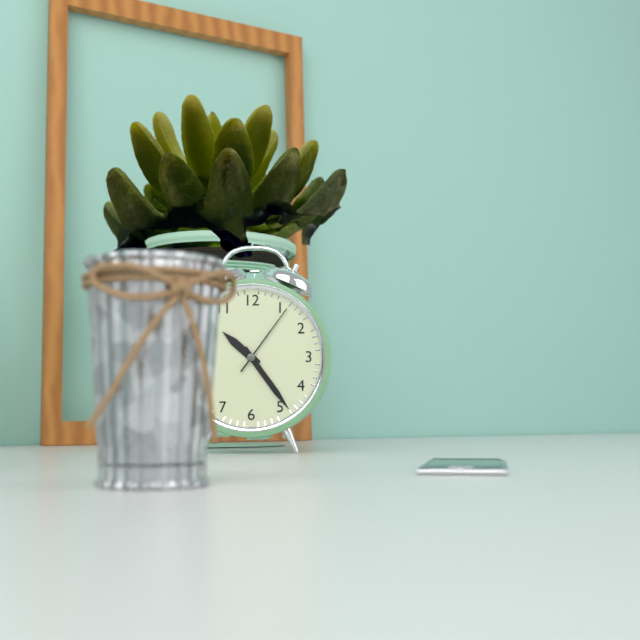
{"hour": 10, "minute": 24, "second": 6}
